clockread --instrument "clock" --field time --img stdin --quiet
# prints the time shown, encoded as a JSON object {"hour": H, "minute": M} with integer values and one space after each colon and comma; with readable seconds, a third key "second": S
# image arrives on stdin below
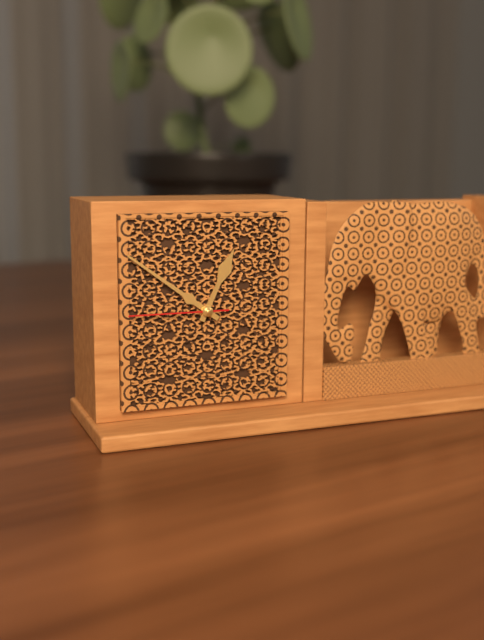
{"hour": 12, "minute": 51, "second": 45}
